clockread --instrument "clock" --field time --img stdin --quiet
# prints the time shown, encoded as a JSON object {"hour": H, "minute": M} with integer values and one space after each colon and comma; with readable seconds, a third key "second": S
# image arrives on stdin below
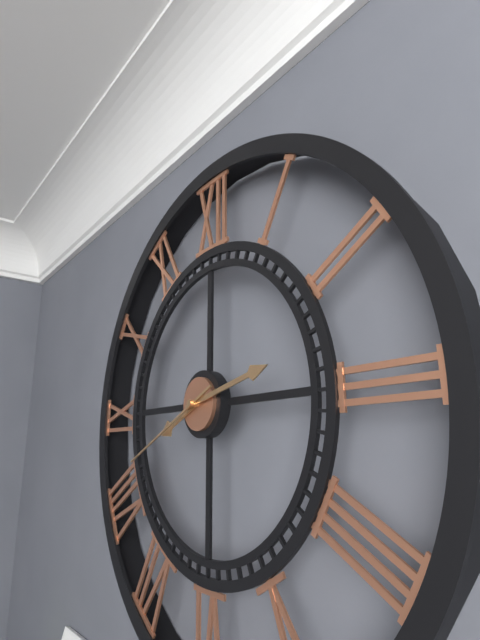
{"hour": 8, "minute": 13, "second": 41}
